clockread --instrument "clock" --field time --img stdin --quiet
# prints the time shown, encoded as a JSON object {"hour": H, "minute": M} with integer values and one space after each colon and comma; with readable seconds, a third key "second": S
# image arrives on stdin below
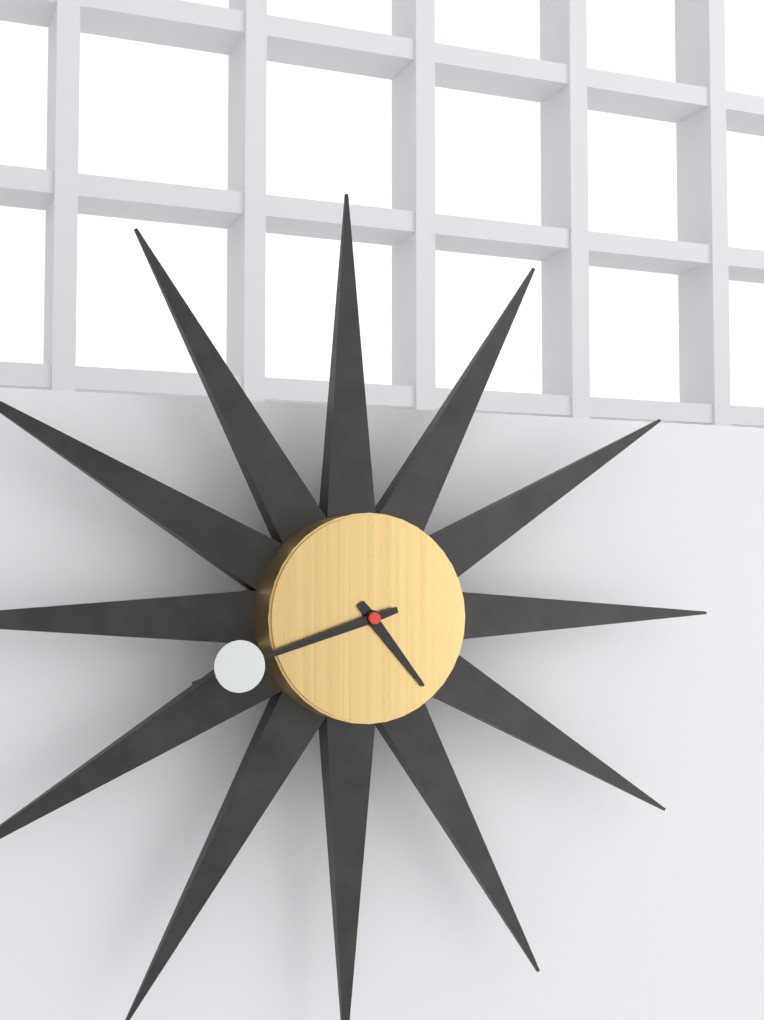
{"hour": 4, "minute": 42}
